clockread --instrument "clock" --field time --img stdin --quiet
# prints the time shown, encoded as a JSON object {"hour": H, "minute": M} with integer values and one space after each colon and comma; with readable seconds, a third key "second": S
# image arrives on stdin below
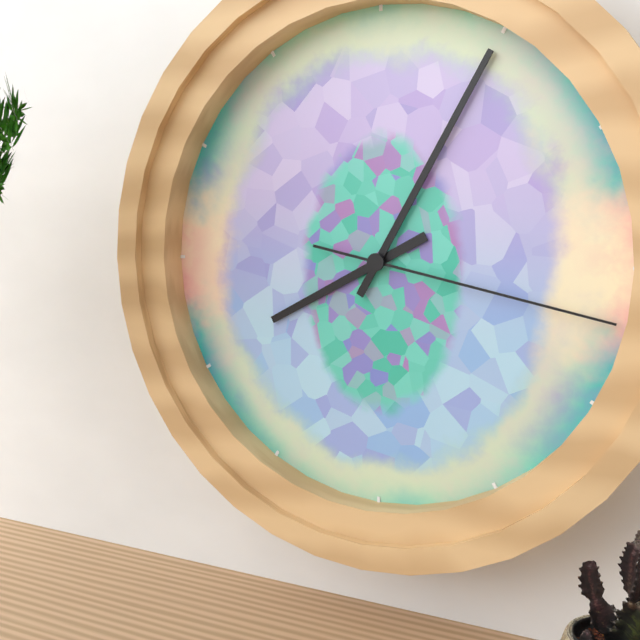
{"hour": 8, "minute": 5, "second": 17}
